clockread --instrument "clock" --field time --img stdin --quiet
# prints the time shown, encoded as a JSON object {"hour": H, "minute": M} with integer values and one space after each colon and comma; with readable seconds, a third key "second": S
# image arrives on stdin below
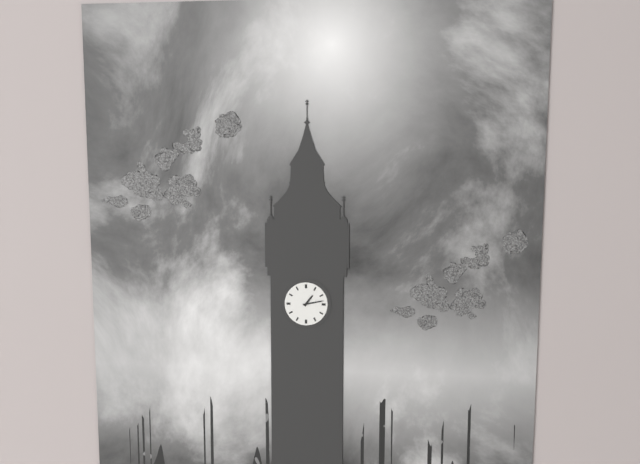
{"hour": 1, "minute": 13}
